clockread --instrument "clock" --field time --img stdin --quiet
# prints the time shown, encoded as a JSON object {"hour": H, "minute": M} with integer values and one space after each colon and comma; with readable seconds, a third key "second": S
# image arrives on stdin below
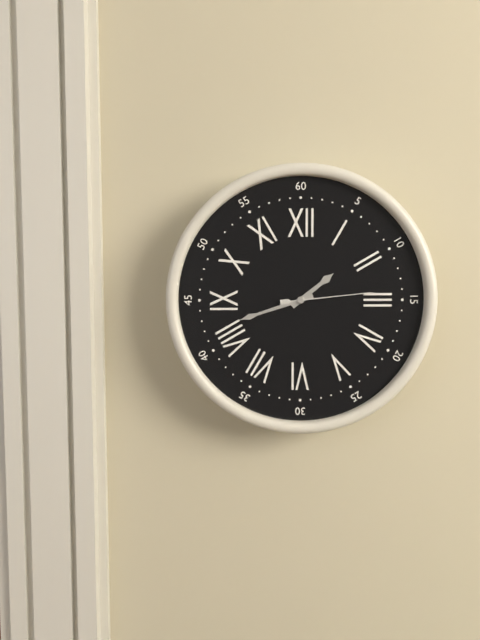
{"hour": 1, "minute": 42, "second": 14}
